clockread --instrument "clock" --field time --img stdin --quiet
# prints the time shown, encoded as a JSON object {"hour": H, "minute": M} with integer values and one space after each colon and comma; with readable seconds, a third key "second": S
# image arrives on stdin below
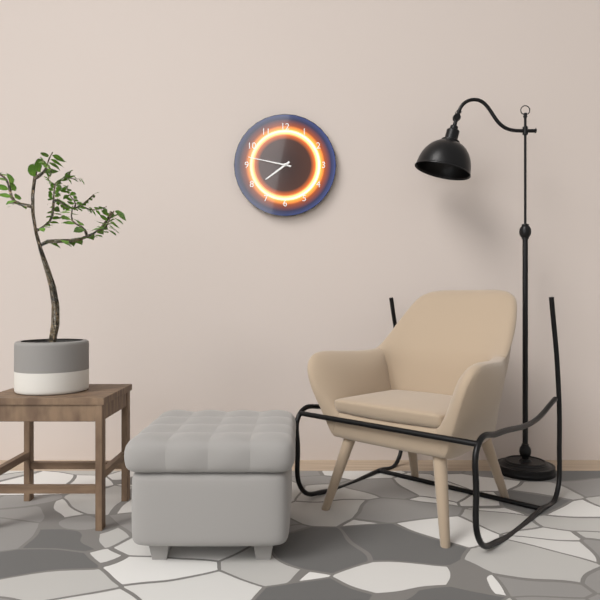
{"hour": 7, "minute": 47}
